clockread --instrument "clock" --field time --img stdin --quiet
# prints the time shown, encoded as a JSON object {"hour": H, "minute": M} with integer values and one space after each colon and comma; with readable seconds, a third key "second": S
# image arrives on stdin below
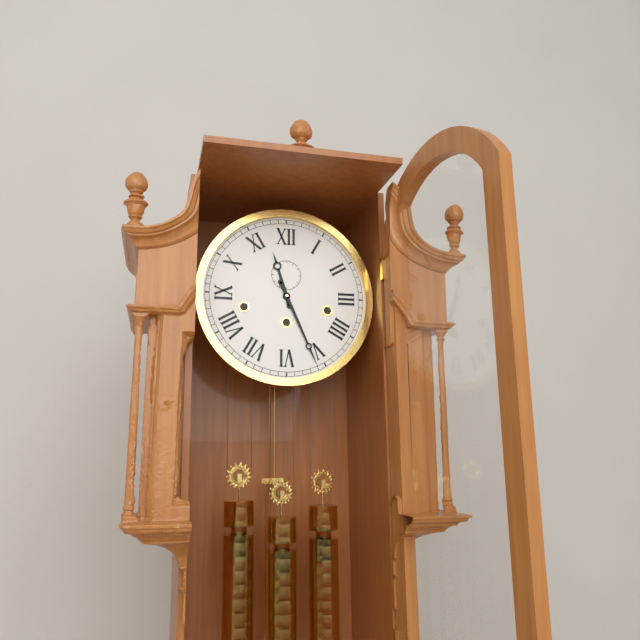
{"hour": 11, "minute": 26}
